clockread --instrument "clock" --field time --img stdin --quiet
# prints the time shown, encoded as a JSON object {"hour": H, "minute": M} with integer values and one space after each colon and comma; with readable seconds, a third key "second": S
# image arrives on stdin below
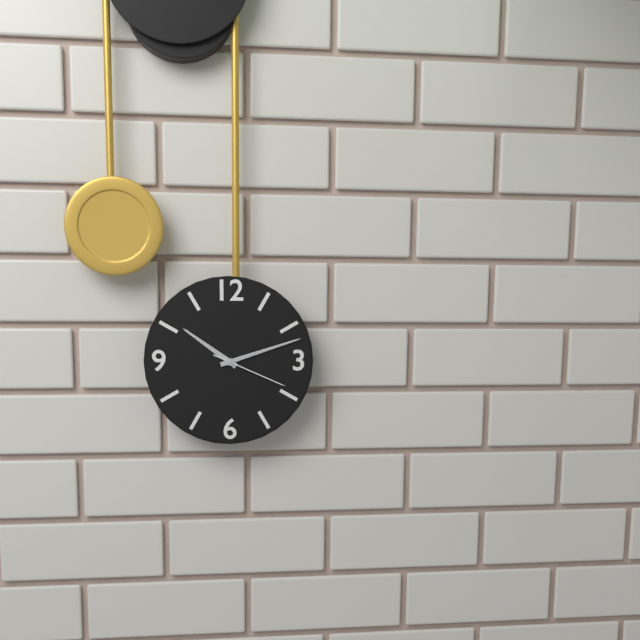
{"hour": 10, "minute": 12, "second": 19}
